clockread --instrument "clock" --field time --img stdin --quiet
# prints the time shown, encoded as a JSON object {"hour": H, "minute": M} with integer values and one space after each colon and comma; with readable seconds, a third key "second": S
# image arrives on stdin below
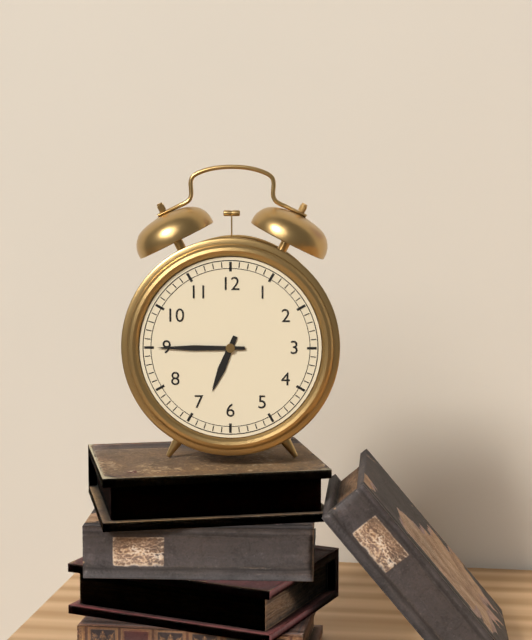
{"hour": 6, "minute": 45}
